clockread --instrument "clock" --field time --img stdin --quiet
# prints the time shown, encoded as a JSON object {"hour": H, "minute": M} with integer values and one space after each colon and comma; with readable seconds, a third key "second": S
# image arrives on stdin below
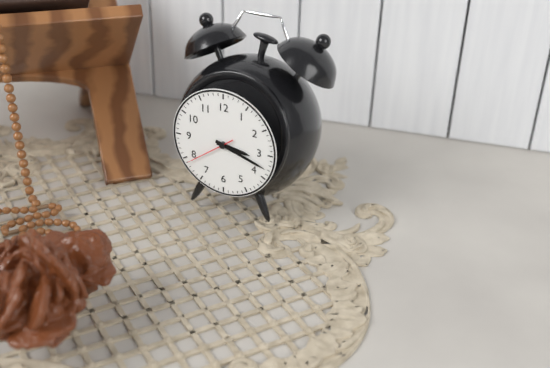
{"hour": 3, "minute": 18, "second": 39}
